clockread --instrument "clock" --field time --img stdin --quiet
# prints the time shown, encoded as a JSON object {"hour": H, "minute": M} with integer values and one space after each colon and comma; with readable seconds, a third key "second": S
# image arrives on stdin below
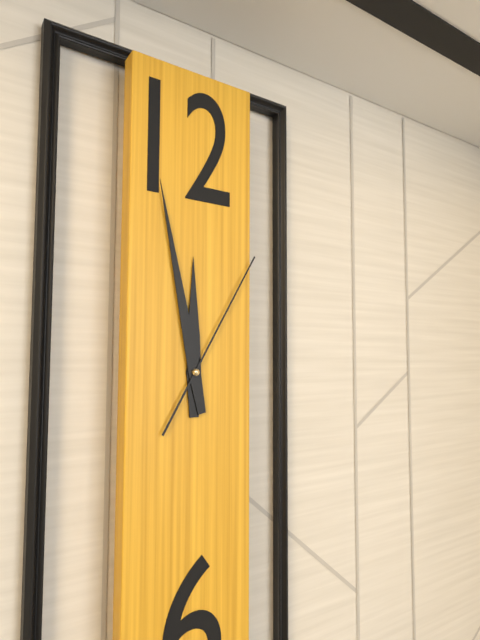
{"hour": 11, "minute": 58, "second": 5}
